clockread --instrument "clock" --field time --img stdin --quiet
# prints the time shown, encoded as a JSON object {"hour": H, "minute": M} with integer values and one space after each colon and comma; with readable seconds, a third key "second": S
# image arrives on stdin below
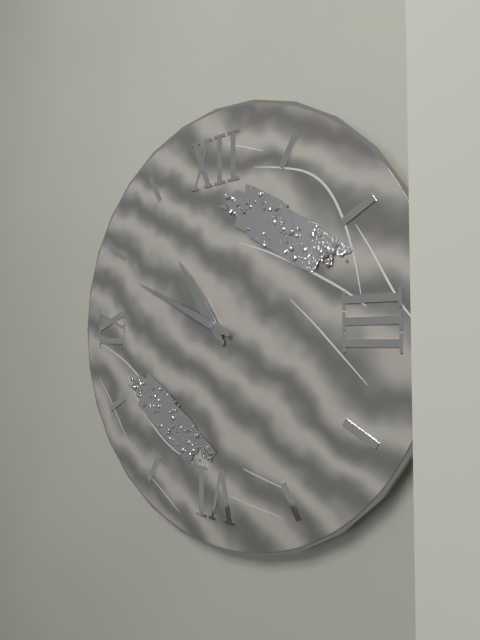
{"hour": 10, "minute": 49}
